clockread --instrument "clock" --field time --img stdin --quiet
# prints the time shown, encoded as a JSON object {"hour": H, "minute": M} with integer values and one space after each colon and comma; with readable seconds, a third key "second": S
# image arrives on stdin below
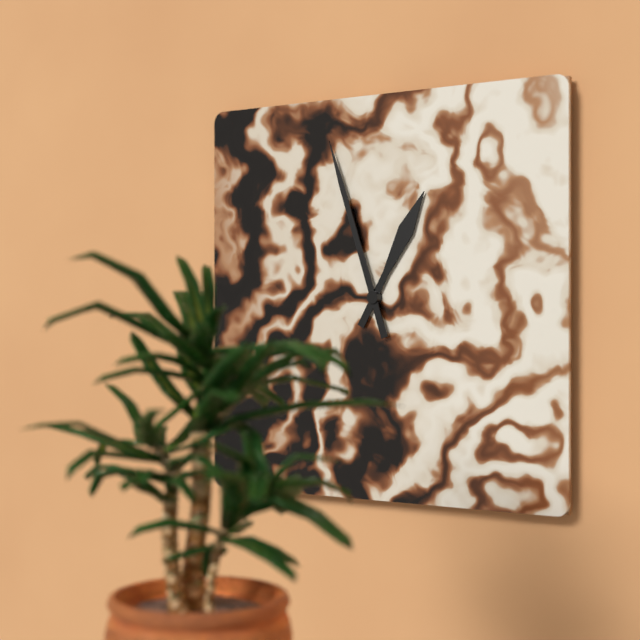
{"hour": 12, "minute": 57}
